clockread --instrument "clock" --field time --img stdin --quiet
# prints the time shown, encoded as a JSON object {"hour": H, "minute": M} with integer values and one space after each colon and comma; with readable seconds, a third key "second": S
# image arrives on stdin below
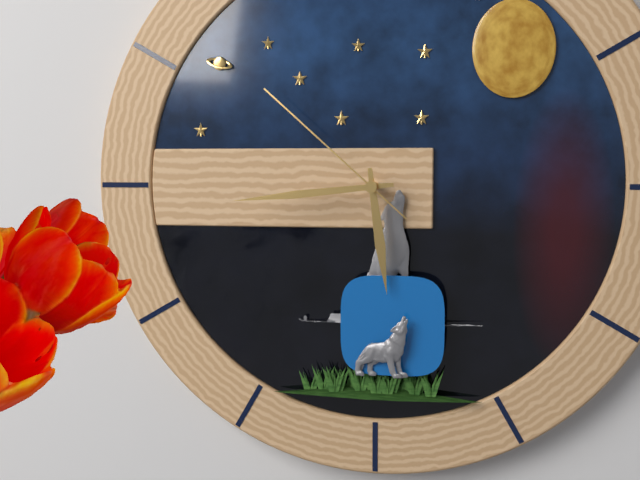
{"hour": 5, "minute": 44, "second": 52}
